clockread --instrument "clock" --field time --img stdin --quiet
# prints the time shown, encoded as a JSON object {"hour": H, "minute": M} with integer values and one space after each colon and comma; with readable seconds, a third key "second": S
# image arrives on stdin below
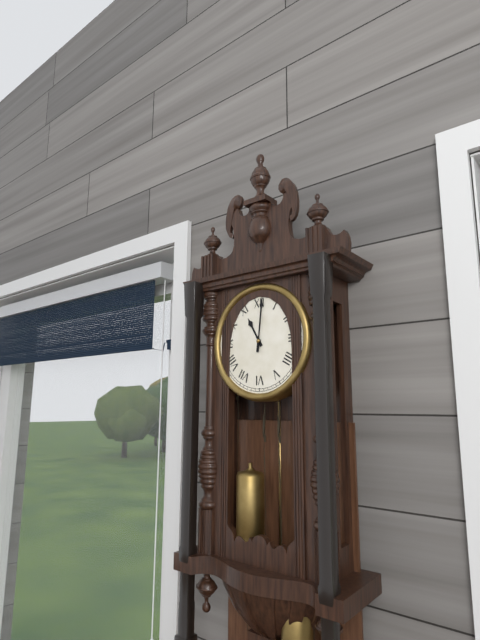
{"hour": 11, "minute": 1}
